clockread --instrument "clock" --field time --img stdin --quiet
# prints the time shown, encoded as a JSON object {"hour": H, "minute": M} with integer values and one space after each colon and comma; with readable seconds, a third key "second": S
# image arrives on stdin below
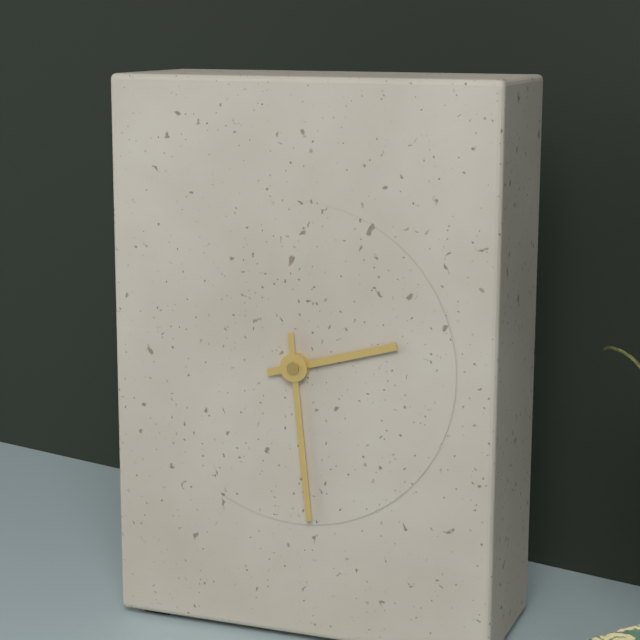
{"hour": 2, "minute": 29}
